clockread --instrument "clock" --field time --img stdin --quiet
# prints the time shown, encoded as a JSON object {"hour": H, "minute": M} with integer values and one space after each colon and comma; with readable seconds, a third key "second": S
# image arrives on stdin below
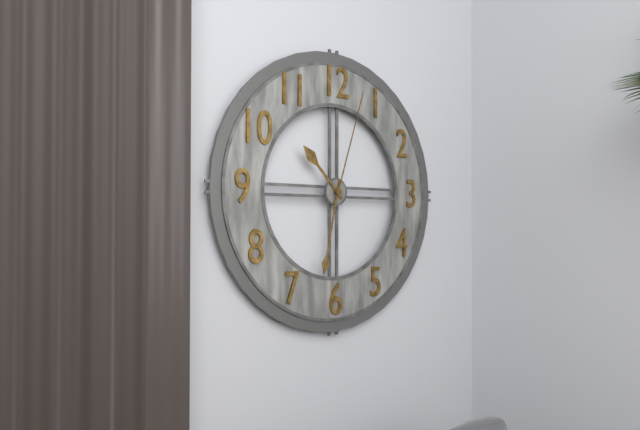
{"hour": 10, "minute": 32, "second": 3}
